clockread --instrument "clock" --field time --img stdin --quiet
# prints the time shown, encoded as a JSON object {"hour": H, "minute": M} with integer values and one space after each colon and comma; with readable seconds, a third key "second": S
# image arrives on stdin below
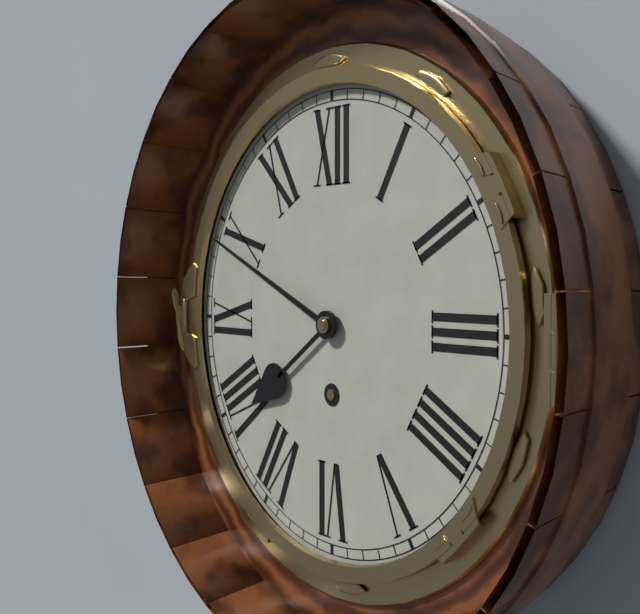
{"hour": 7, "minute": 49}
